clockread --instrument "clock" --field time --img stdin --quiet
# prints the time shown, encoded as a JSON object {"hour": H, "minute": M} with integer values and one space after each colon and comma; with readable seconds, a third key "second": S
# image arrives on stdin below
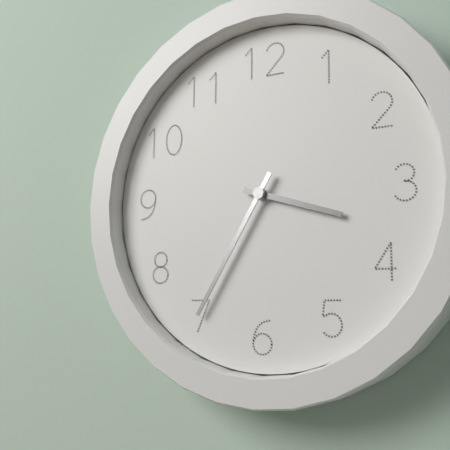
{"hour": 3, "minute": 35}
